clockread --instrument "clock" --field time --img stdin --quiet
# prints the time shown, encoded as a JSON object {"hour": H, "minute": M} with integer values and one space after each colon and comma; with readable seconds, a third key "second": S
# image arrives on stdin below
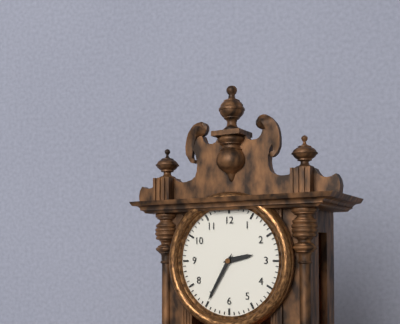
{"hour": 2, "minute": 35}
